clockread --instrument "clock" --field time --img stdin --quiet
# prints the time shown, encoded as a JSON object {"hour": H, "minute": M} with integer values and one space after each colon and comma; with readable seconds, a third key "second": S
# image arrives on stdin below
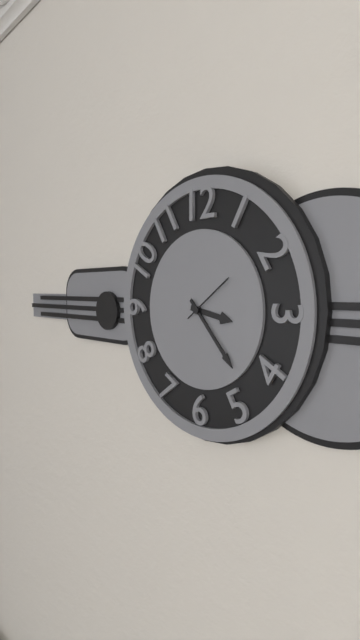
{"hour": 3, "minute": 23}
